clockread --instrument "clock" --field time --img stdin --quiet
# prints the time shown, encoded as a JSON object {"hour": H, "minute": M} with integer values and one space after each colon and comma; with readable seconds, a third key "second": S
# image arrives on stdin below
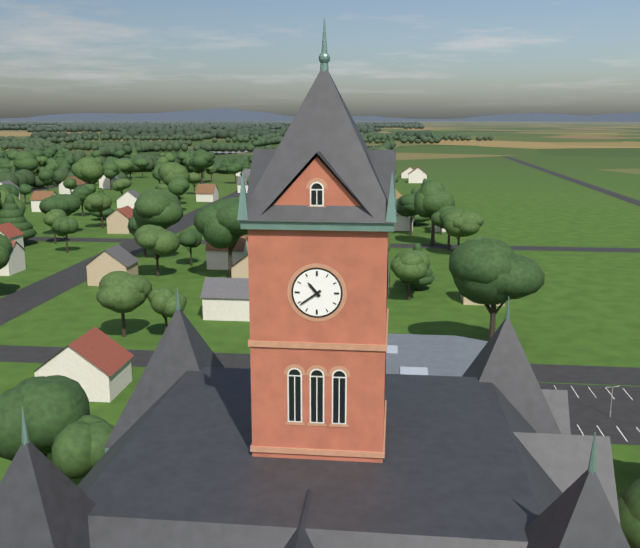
{"hour": 10, "minute": 39}
